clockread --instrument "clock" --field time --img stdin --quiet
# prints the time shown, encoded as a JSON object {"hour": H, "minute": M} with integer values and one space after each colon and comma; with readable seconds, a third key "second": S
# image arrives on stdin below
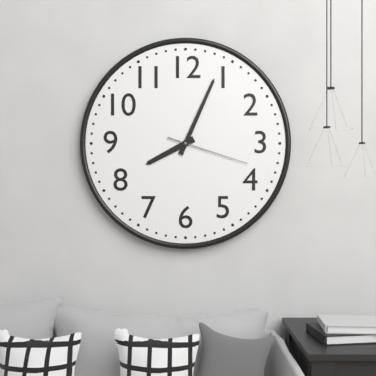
{"hour": 8, "minute": 4, "second": 18}
